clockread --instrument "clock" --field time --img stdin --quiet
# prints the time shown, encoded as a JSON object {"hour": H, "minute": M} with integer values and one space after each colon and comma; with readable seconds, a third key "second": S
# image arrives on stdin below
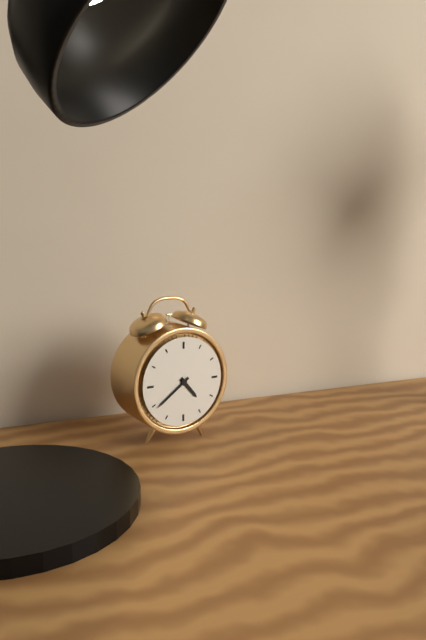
{"hour": 4, "minute": 39}
